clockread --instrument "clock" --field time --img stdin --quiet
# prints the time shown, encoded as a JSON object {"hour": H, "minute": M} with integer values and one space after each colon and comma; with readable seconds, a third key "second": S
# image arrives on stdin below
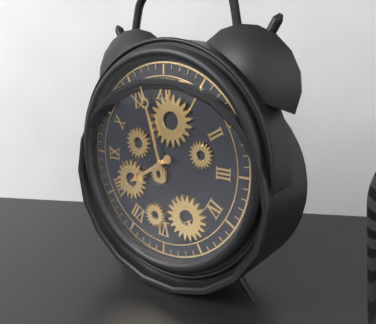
{"hour": 7, "minute": 57}
